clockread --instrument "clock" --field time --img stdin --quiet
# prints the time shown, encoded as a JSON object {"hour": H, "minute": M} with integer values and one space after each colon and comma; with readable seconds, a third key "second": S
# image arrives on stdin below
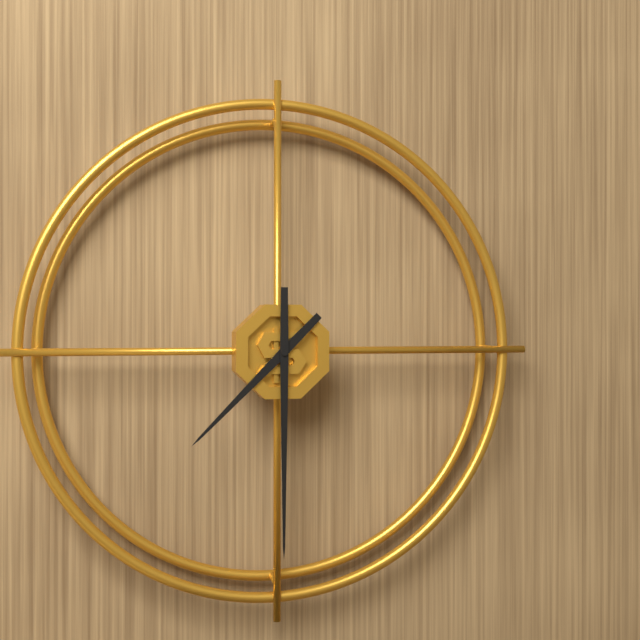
{"hour": 7, "minute": 30}
